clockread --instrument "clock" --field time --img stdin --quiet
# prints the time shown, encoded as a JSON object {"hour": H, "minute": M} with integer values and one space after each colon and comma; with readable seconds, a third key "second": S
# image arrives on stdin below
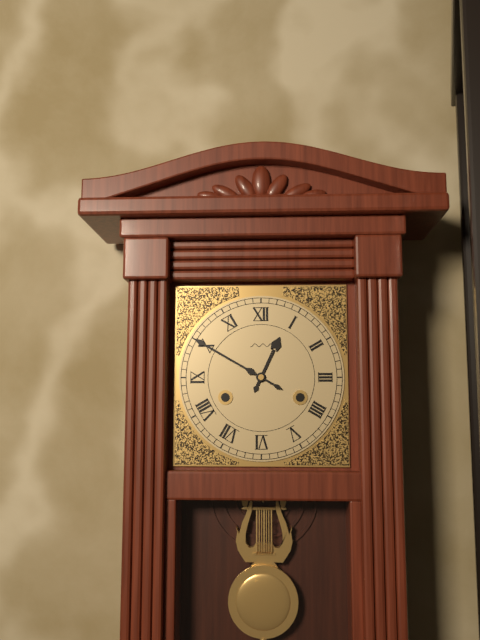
{"hour": 12, "minute": 50}
